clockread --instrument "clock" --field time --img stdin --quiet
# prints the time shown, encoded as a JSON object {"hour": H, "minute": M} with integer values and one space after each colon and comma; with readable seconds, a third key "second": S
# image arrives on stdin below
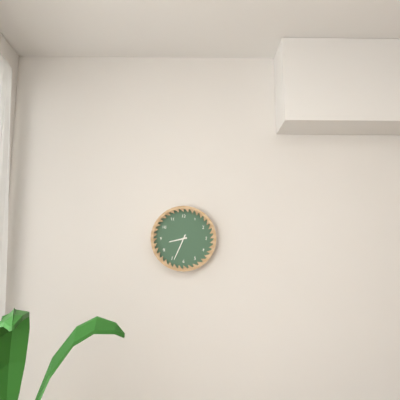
{"hour": 8, "minute": 34}
